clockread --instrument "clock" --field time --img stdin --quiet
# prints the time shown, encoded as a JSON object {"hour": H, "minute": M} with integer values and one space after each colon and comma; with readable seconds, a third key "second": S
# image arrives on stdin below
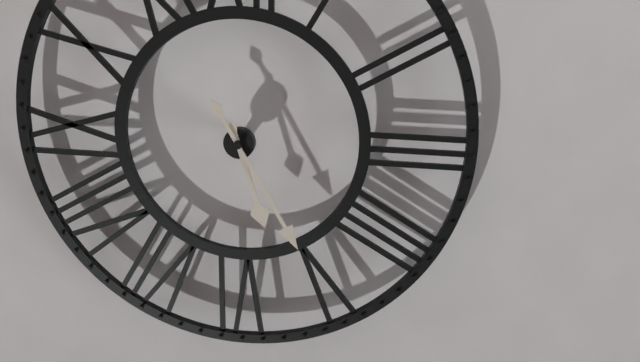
{"hour": 5, "minute": 25}
